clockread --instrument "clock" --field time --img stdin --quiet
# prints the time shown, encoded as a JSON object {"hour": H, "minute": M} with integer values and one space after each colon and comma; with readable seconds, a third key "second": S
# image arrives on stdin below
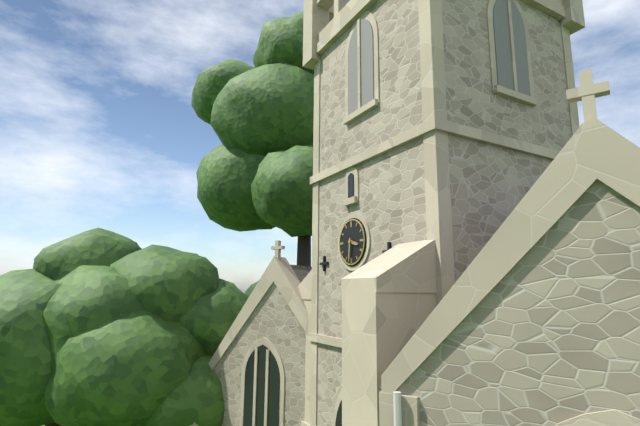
{"hour": 3, "minute": 31}
